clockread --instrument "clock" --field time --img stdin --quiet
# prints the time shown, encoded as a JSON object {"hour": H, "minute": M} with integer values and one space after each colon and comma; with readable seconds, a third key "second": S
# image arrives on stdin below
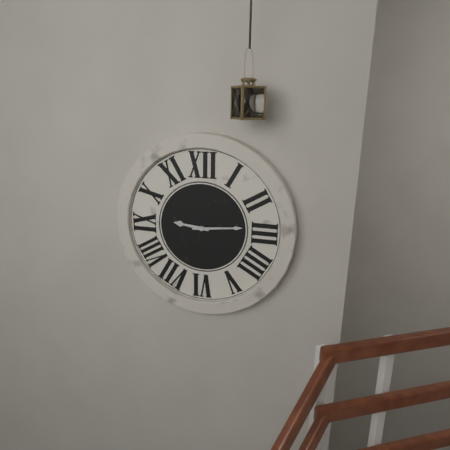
{"hour": 9, "minute": 14}
